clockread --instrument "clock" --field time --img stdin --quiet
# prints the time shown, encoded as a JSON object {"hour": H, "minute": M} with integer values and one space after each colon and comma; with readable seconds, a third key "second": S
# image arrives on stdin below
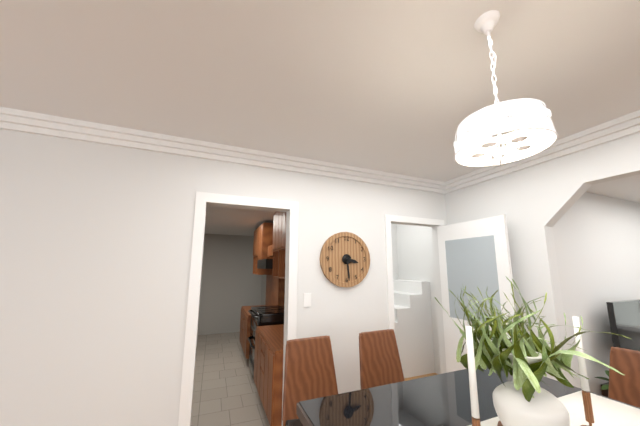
{"hour": 3, "minute": 29}
